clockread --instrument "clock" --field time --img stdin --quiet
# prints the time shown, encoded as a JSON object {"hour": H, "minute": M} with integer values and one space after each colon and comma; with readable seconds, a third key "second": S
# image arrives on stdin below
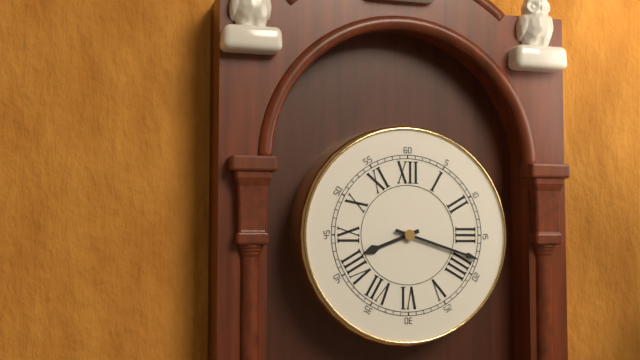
{"hour": 8, "minute": 18}
